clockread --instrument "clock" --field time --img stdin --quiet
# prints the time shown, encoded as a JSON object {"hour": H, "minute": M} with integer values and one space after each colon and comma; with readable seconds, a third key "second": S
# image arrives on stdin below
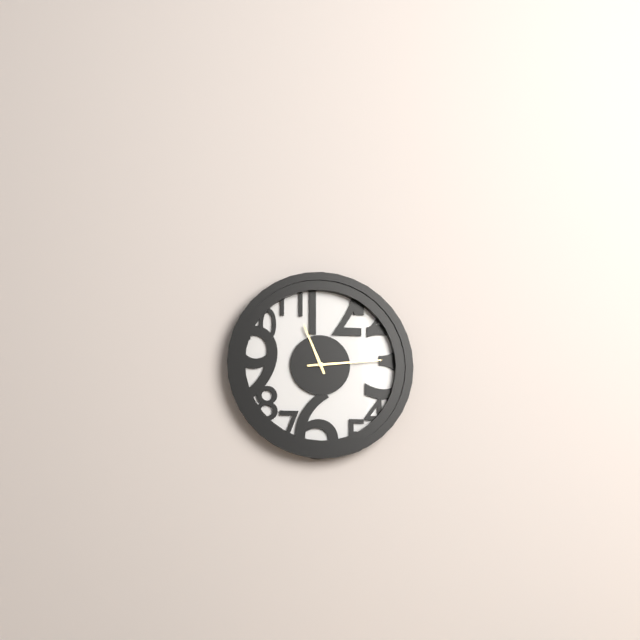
{"hour": 11, "minute": 14}
